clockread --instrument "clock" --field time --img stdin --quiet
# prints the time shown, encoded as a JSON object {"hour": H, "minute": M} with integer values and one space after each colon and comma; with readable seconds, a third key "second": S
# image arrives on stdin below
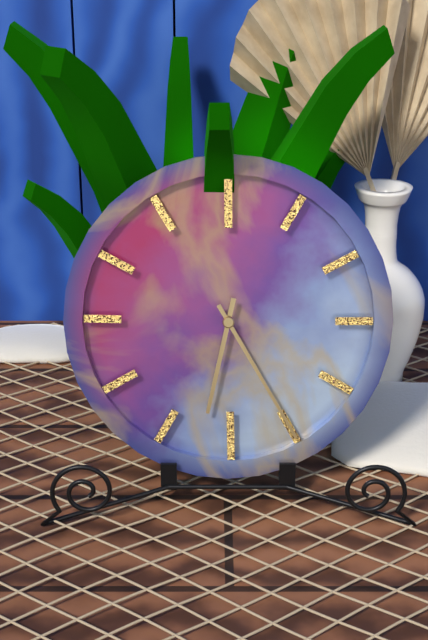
{"hour": 6, "minute": 25}
